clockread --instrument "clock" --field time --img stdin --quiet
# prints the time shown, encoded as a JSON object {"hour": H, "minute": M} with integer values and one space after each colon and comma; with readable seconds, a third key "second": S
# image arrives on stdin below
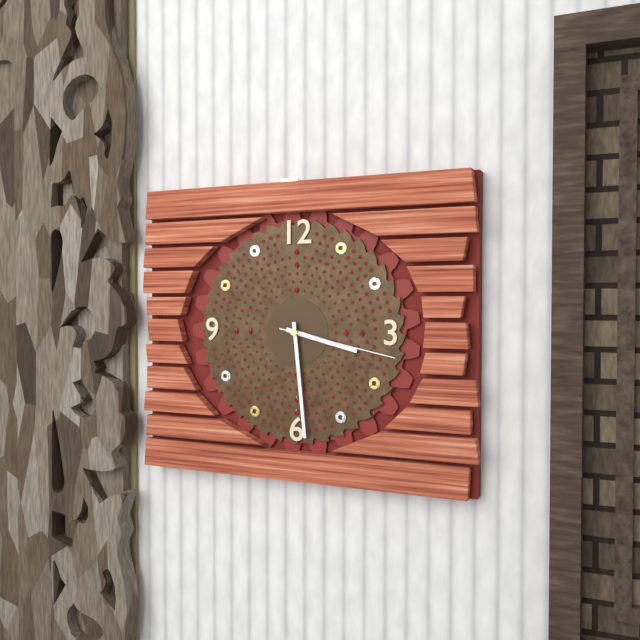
{"hour": 3, "minute": 29, "second": 17}
